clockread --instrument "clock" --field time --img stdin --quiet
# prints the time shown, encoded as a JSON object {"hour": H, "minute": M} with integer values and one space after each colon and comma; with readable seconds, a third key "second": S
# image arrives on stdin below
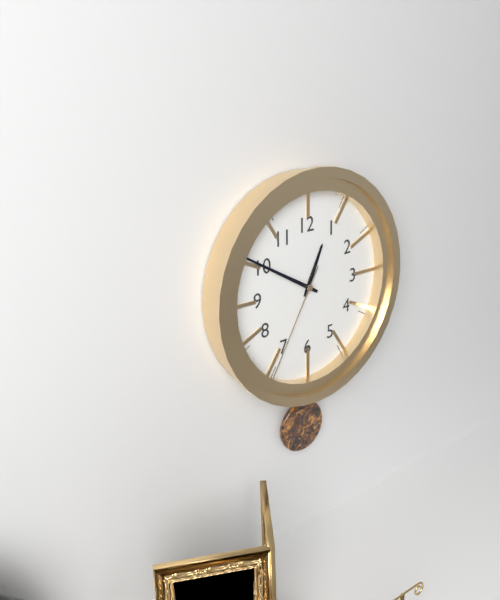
{"hour": 12, "minute": 50, "second": 35}
